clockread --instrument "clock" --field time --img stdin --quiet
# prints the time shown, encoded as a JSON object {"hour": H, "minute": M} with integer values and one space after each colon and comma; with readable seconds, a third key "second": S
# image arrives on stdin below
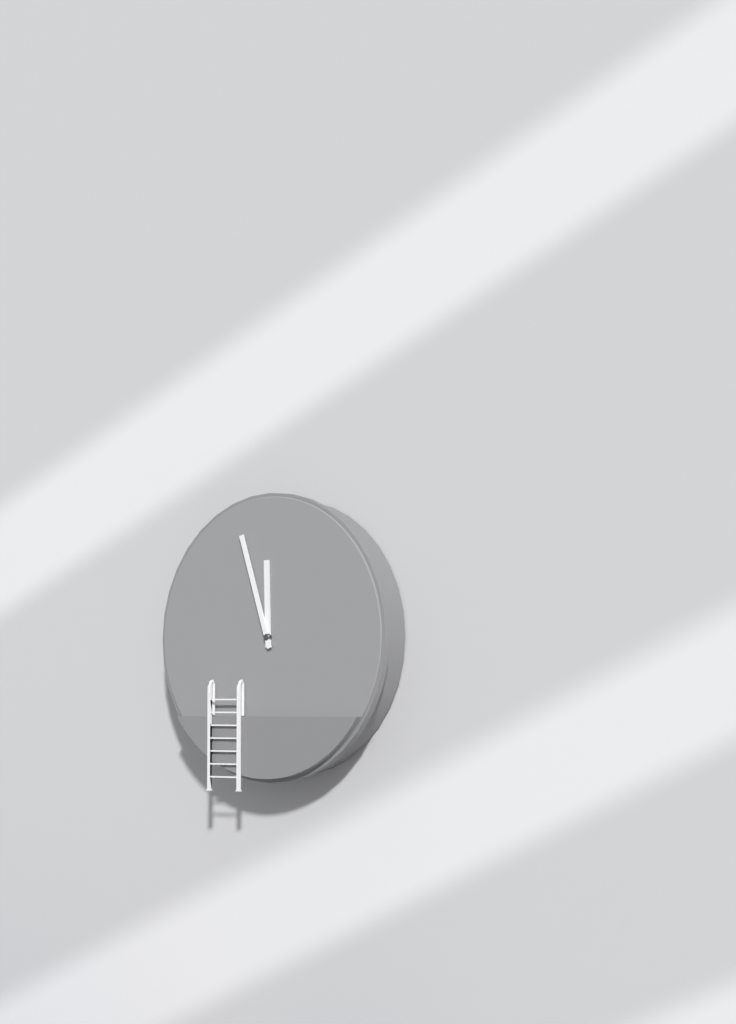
{"hour": 11, "minute": 57}
